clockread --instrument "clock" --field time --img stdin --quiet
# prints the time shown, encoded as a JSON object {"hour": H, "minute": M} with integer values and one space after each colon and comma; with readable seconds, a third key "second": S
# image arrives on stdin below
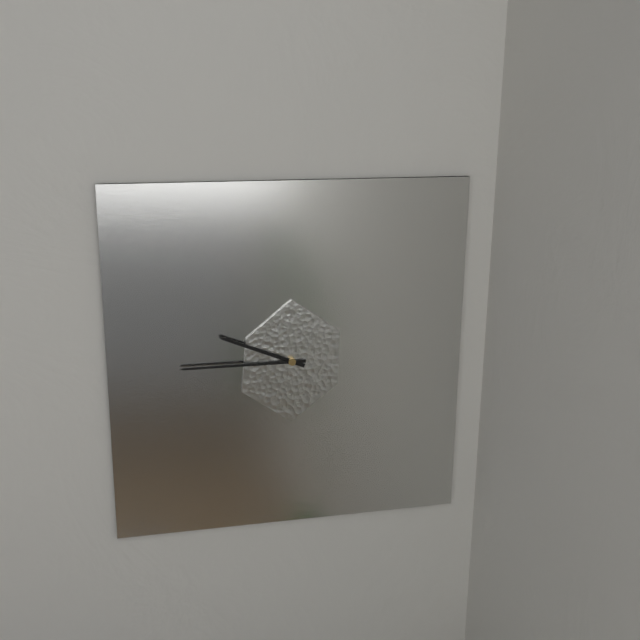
{"hour": 9, "minute": 45}
